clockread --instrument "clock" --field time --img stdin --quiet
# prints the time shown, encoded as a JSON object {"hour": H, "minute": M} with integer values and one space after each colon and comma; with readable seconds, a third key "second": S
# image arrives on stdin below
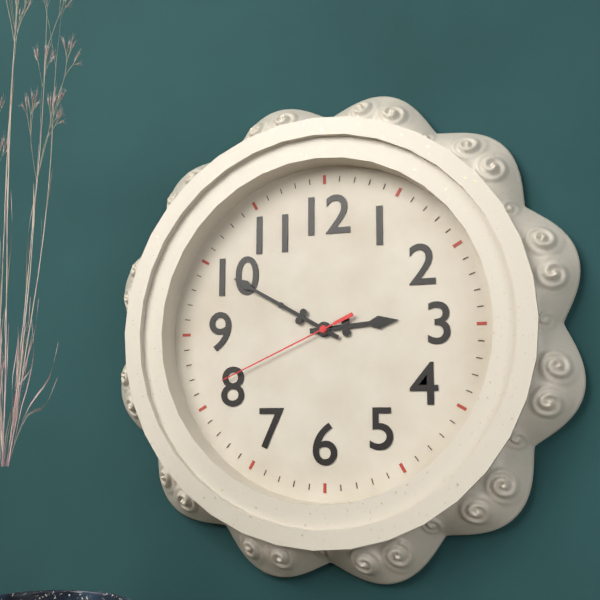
{"hour": 2, "minute": 50, "second": 41}
